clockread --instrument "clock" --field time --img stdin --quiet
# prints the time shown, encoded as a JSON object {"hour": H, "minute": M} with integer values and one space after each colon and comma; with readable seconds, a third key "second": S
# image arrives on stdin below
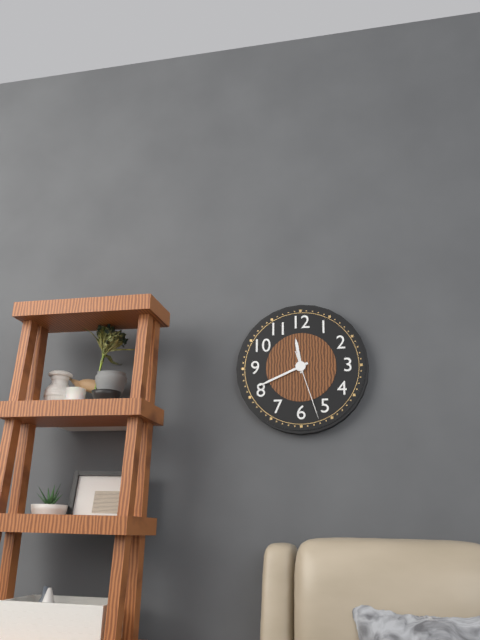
{"hour": 11, "minute": 41, "second": 27}
